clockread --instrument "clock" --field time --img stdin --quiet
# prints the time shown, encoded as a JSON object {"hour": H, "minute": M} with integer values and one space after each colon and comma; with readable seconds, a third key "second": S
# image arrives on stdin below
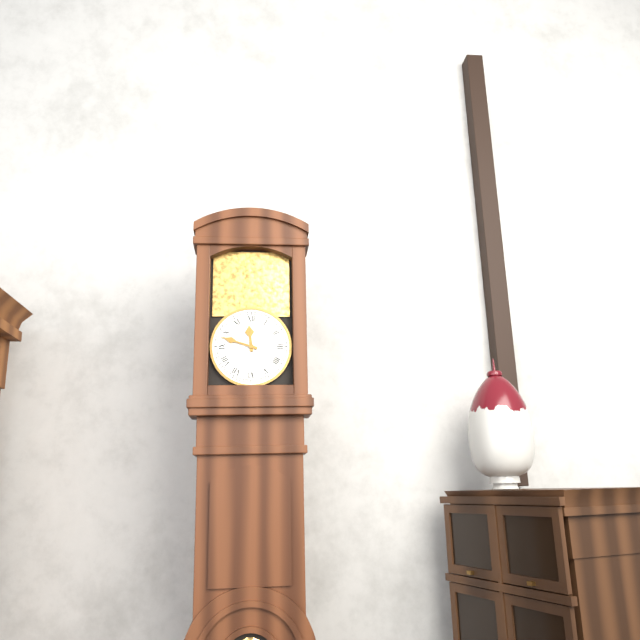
{"hour": 11, "minute": 48}
